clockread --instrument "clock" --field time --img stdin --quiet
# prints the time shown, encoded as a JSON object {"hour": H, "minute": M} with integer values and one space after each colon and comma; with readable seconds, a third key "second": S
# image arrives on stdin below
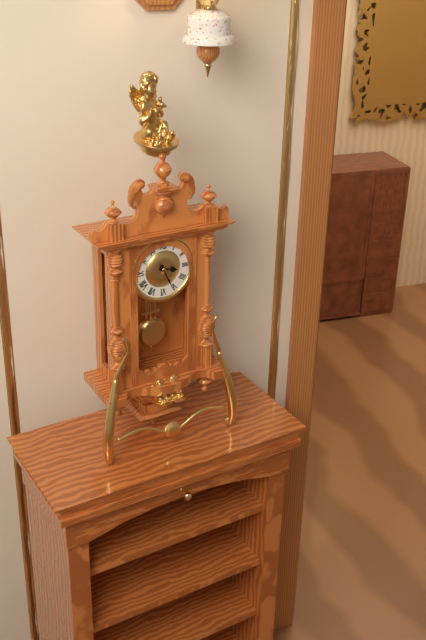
{"hour": 3, "minute": 26}
